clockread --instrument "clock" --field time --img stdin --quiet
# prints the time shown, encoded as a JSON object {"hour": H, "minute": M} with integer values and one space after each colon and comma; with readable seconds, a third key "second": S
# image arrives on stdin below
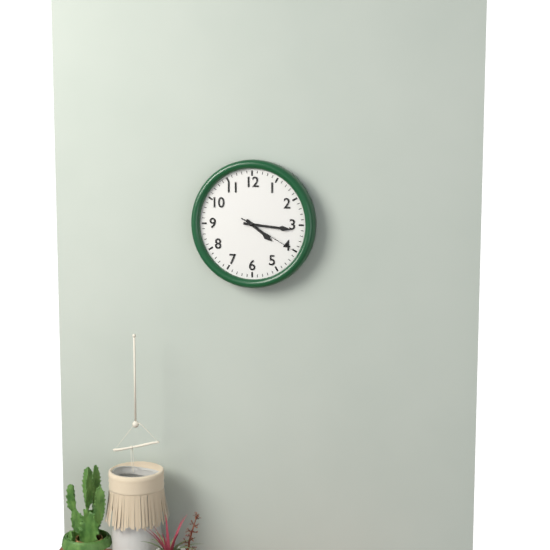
{"hour": 4, "minute": 16, "second": 20}
